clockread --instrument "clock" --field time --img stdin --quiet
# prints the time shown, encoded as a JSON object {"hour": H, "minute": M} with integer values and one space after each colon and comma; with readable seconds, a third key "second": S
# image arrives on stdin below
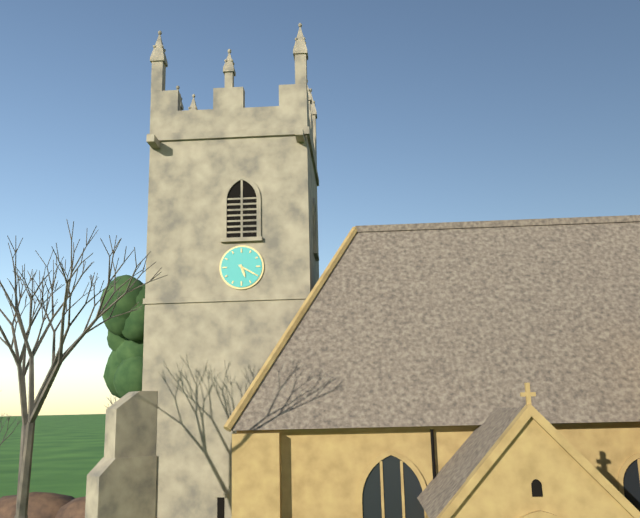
{"hour": 5, "minute": 20}
